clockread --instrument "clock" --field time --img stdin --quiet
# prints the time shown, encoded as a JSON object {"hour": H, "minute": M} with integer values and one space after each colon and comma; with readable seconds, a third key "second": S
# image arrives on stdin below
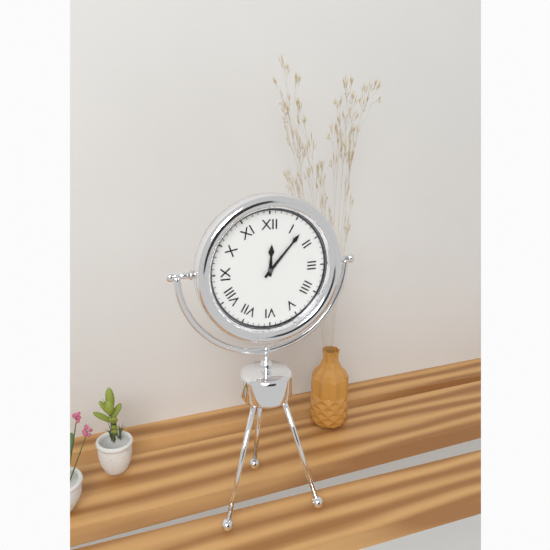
{"hour": 12, "minute": 7}
